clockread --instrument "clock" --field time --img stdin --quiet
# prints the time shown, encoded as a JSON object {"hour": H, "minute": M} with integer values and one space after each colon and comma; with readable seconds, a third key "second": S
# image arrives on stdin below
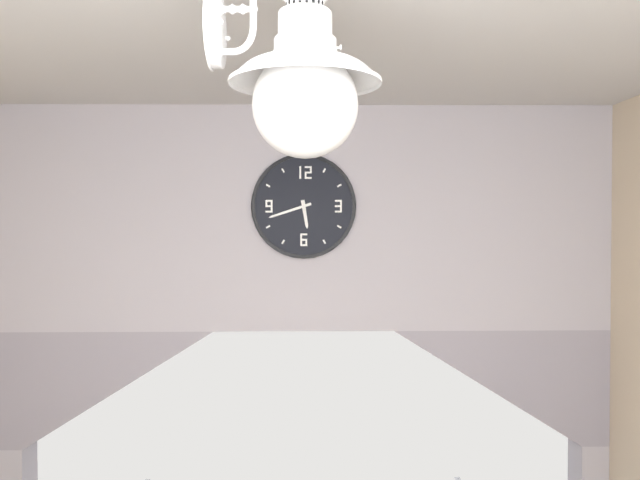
{"hour": 5, "minute": 42}
